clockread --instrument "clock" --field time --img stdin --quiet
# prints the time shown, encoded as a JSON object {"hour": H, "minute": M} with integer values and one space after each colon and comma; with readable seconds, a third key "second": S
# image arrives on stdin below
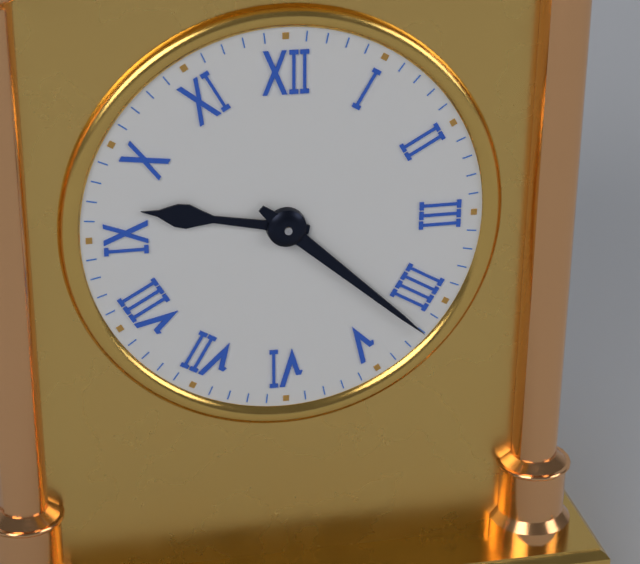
{"hour": 9, "minute": 22}
